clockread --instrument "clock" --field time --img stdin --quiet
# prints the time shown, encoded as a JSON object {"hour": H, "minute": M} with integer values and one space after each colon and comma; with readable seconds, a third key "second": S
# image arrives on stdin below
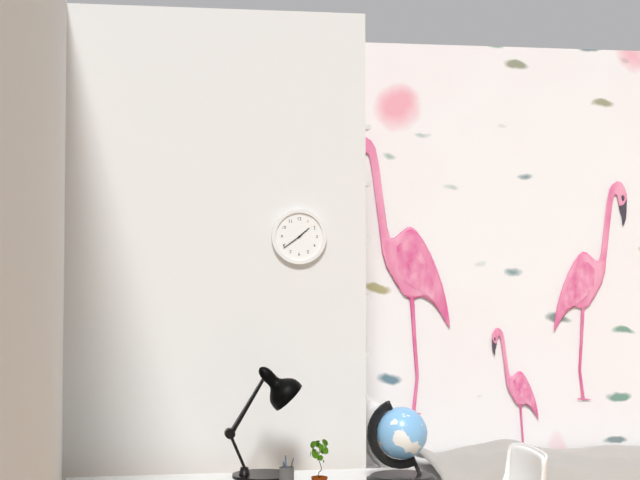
{"hour": 1, "minute": 39}
